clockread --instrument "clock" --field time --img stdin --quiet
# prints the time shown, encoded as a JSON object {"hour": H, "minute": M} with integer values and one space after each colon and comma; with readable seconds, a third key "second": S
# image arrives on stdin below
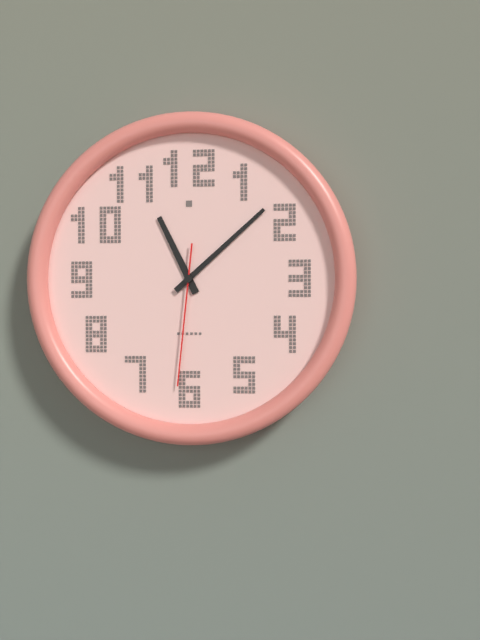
{"hour": 11, "minute": 8, "second": 31}
